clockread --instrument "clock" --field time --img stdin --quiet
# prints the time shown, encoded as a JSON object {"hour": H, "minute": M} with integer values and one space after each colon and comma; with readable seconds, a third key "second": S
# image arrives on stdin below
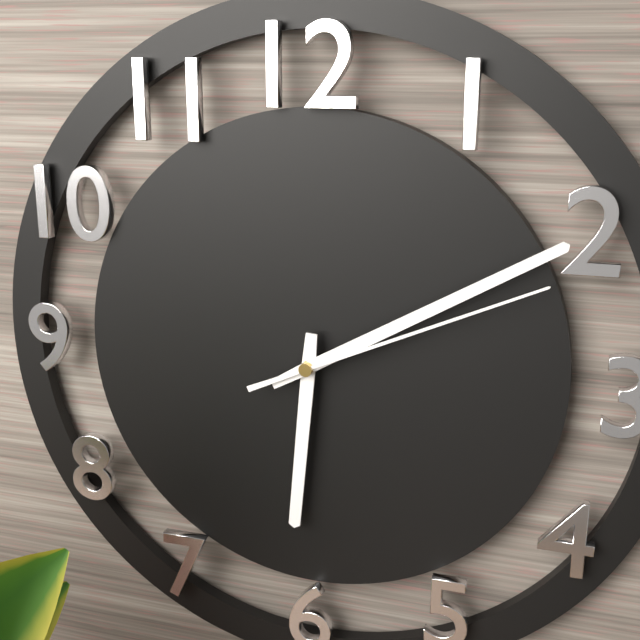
{"hour": 6, "minute": 10, "second": 11}
